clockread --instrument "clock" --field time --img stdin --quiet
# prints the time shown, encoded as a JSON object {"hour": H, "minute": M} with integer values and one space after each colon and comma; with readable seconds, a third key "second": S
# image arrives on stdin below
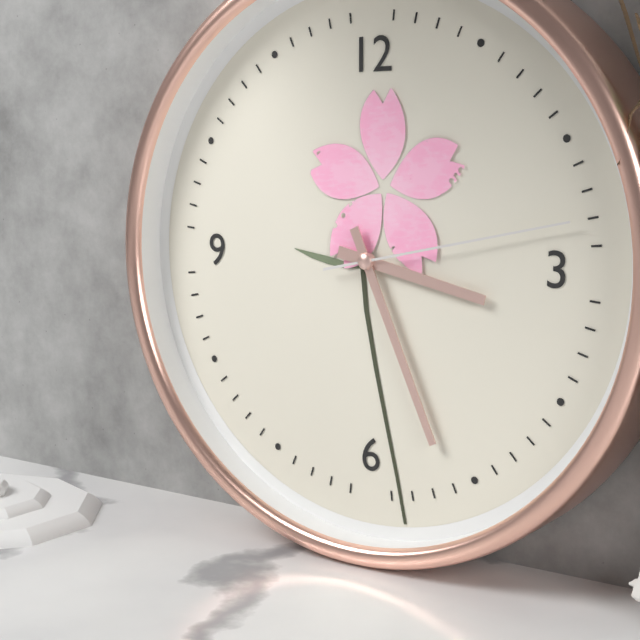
{"hour": 3, "minute": 26, "second": 13}
